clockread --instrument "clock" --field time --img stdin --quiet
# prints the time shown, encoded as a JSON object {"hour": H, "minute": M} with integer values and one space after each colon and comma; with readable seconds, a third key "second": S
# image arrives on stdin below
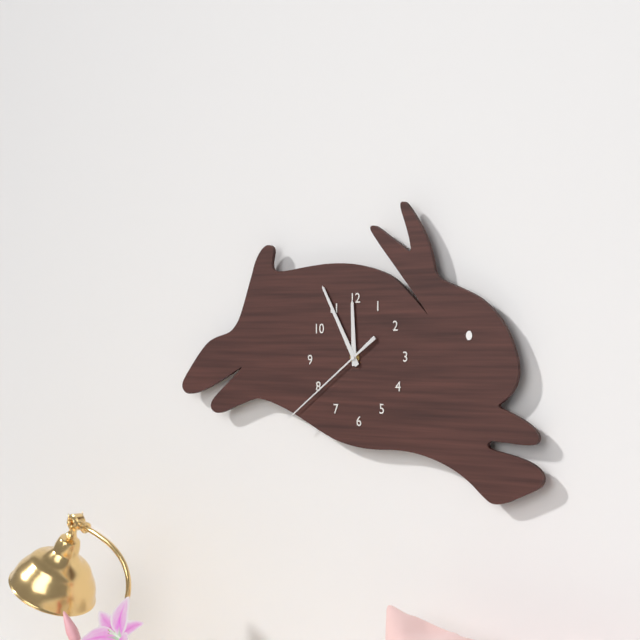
{"hour": 11, "minute": 55, "second": 39}
